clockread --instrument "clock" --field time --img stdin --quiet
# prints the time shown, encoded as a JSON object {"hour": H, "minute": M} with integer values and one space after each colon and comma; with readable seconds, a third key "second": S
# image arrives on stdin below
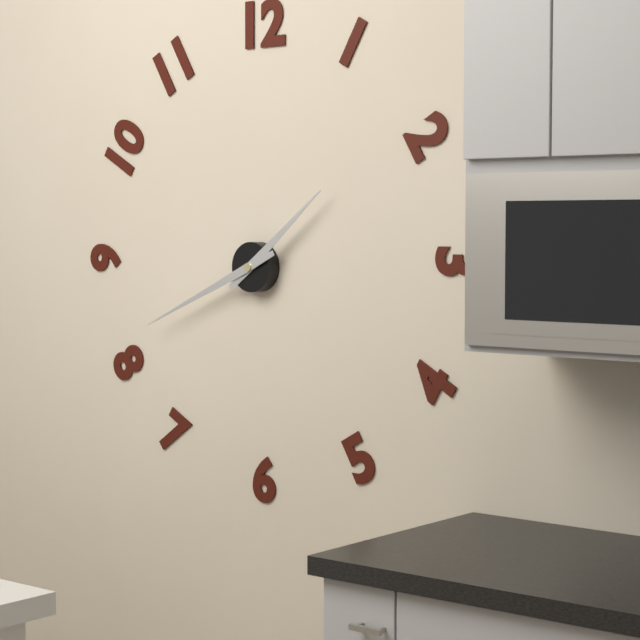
{"hour": 1, "minute": 41}
